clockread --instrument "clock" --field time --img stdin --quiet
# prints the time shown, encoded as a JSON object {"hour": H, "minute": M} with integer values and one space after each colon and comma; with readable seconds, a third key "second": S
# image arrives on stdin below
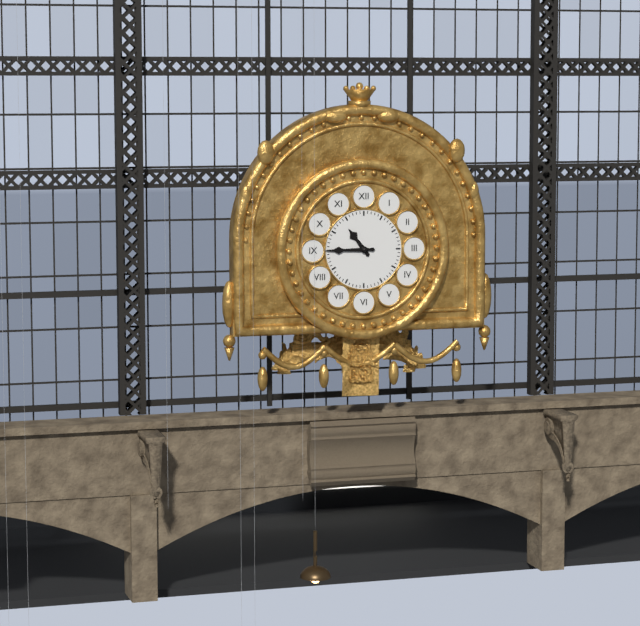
{"hour": 10, "minute": 45}
